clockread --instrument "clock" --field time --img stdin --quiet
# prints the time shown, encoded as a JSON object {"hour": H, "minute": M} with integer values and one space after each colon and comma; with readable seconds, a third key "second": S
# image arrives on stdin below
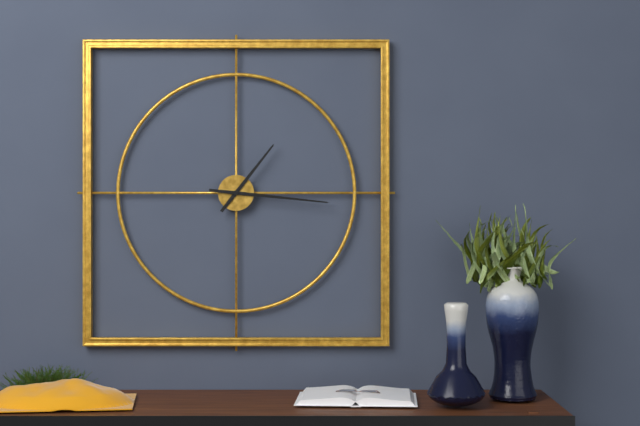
{"hour": 1, "minute": 16}
